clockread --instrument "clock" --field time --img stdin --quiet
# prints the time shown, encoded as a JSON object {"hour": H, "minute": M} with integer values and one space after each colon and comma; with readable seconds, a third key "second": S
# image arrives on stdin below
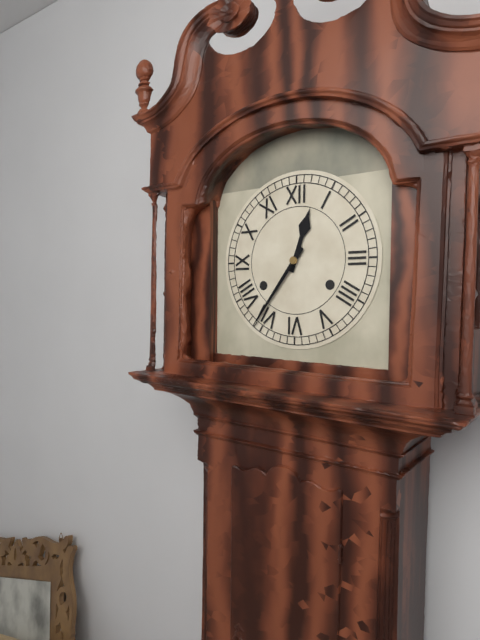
{"hour": 12, "minute": 36}
